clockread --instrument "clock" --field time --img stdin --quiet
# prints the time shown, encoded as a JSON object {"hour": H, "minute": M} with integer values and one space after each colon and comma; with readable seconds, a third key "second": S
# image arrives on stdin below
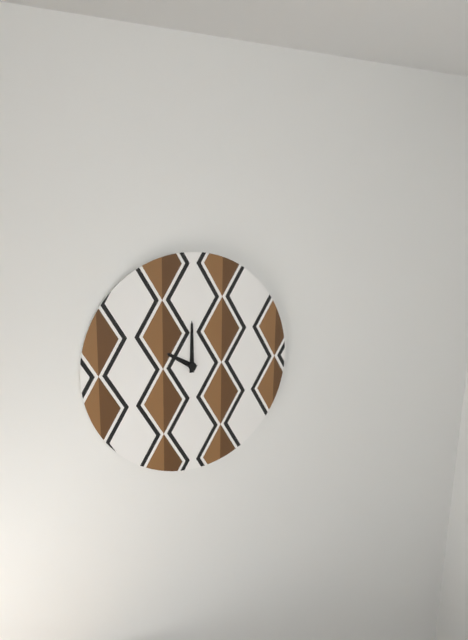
{"hour": 10, "minute": 0}
